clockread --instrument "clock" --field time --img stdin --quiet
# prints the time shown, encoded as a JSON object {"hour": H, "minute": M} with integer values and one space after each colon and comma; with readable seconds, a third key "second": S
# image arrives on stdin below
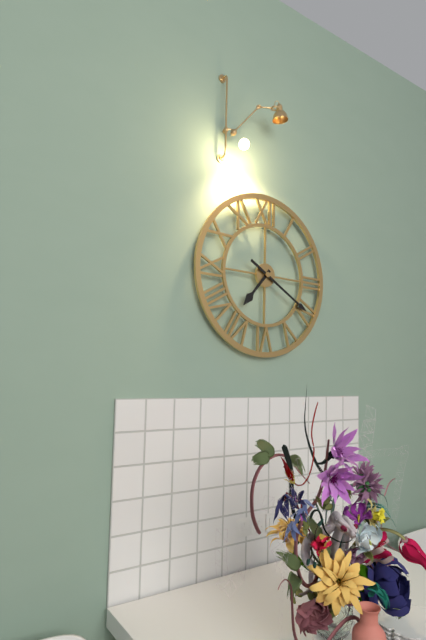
{"hour": 7, "minute": 20}
